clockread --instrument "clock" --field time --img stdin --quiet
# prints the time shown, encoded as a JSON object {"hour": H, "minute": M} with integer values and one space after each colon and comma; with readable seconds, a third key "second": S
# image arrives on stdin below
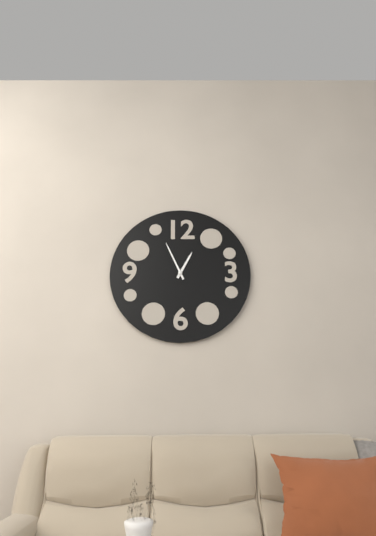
{"hour": 12, "minute": 56}
